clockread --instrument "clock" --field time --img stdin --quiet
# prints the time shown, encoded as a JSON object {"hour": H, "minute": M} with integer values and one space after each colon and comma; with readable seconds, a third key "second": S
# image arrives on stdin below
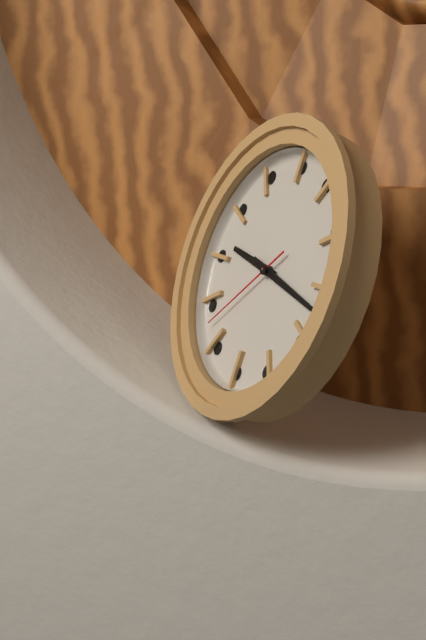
{"hour": 9, "minute": 17, "second": 38}
